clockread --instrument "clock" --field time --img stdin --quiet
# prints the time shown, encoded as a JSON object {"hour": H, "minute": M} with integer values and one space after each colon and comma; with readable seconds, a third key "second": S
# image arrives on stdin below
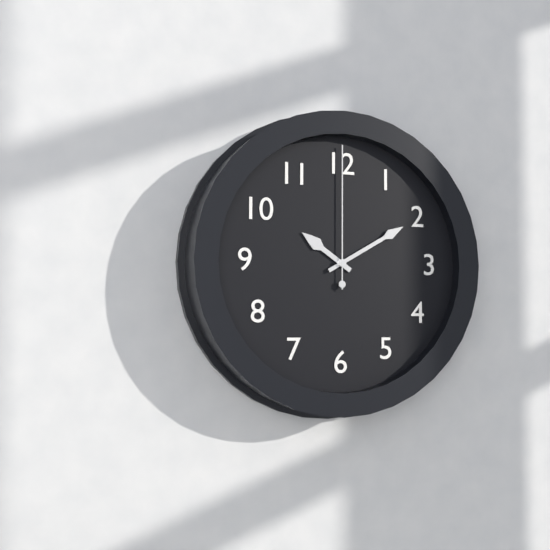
{"hour": 10, "minute": 10, "second": 0}
